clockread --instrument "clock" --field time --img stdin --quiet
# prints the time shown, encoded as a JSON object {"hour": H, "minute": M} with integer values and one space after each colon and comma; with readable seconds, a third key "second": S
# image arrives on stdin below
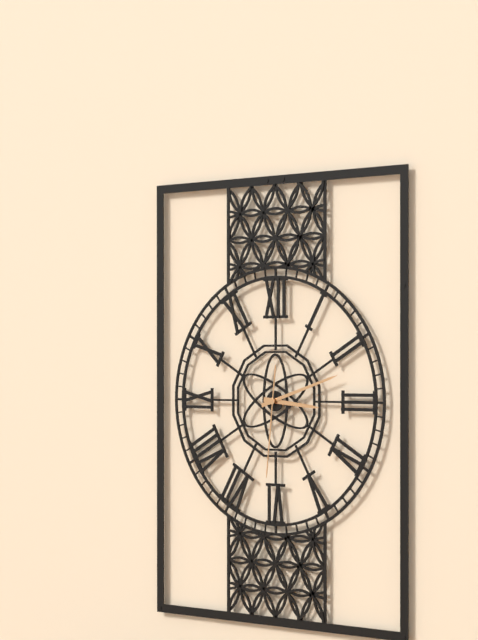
{"hour": 3, "minute": 12, "second": 31}
